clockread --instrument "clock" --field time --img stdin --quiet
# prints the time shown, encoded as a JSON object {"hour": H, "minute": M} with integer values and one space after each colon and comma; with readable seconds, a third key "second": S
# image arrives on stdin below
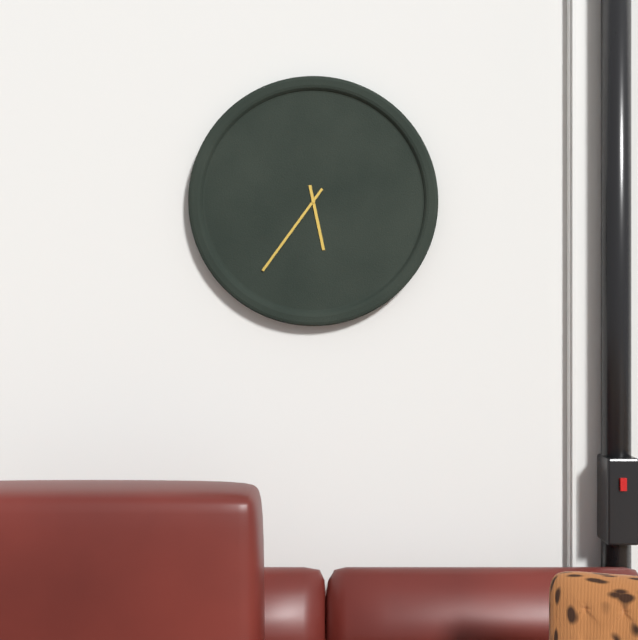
{"hour": 5, "minute": 36}
